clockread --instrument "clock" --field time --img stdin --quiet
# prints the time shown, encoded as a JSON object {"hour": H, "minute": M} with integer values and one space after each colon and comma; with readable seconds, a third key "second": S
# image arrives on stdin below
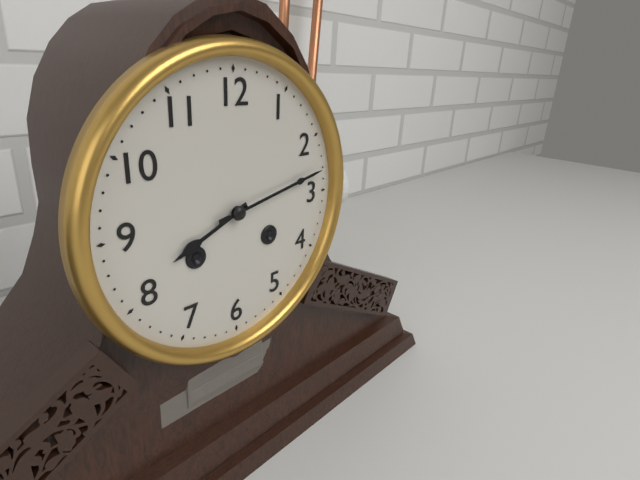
{"hour": 8, "minute": 13}
